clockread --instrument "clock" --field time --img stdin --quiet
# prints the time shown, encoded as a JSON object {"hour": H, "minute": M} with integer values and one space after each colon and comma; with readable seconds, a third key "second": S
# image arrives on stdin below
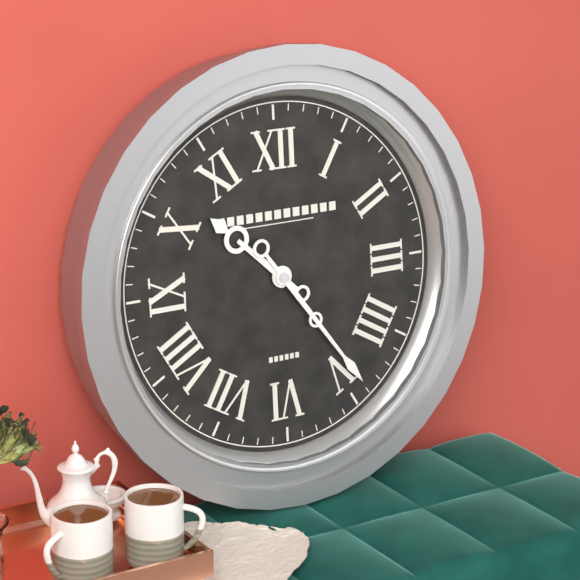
{"hour": 10, "minute": 24}
